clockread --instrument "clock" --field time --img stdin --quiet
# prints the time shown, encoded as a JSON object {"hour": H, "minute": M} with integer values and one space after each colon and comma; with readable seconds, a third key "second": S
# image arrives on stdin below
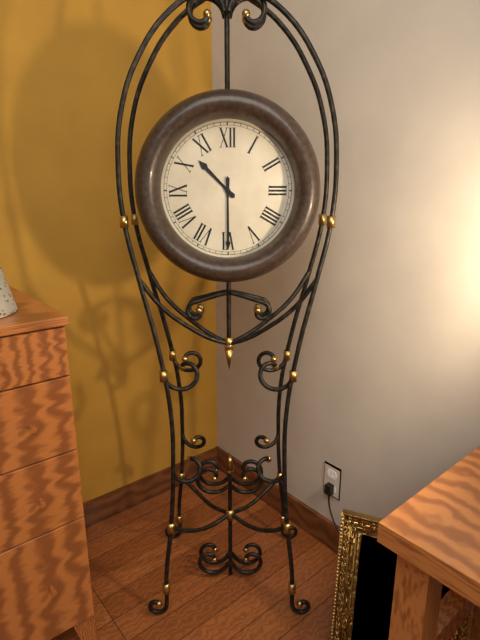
{"hour": 10, "minute": 30}
